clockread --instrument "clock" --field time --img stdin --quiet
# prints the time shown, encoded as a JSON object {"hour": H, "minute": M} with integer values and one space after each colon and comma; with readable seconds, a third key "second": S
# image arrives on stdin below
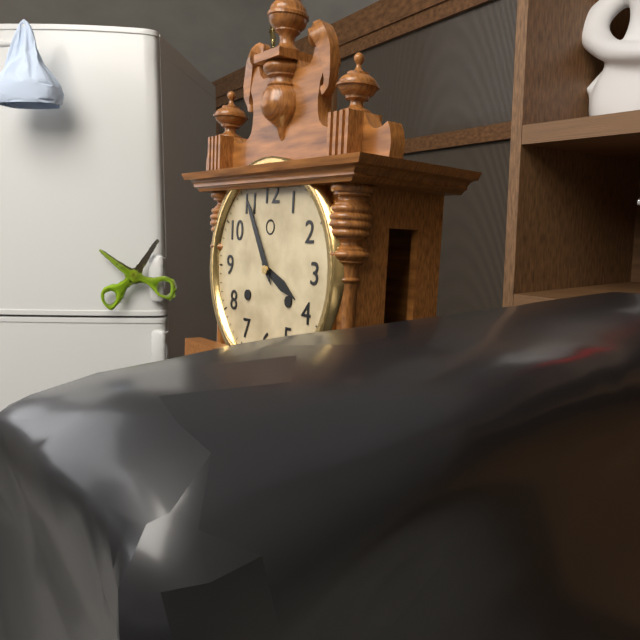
{"hour": 3, "minute": 55}
